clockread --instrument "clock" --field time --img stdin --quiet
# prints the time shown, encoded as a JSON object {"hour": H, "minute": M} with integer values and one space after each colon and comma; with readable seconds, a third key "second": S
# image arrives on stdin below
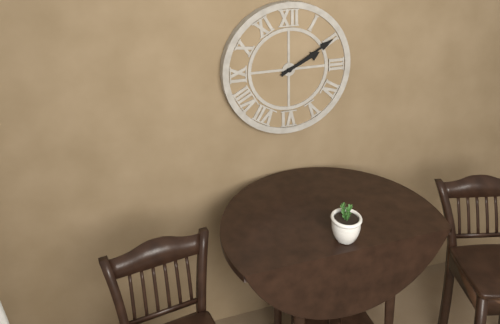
{"hour": 2, "minute": 10}
